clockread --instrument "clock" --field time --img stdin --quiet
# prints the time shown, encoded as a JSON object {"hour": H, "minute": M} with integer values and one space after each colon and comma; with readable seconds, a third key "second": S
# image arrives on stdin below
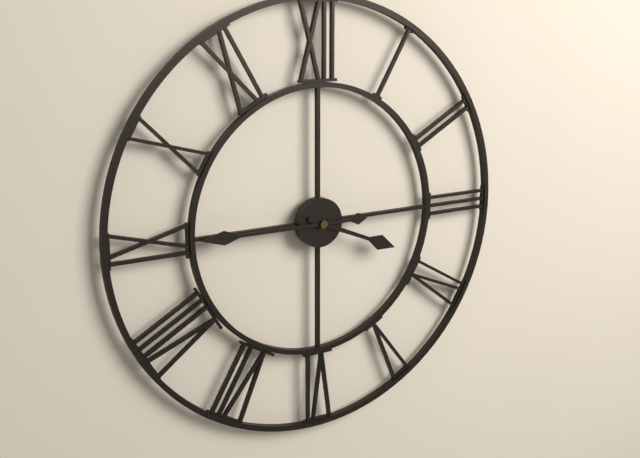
{"hour": 3, "minute": 45}
